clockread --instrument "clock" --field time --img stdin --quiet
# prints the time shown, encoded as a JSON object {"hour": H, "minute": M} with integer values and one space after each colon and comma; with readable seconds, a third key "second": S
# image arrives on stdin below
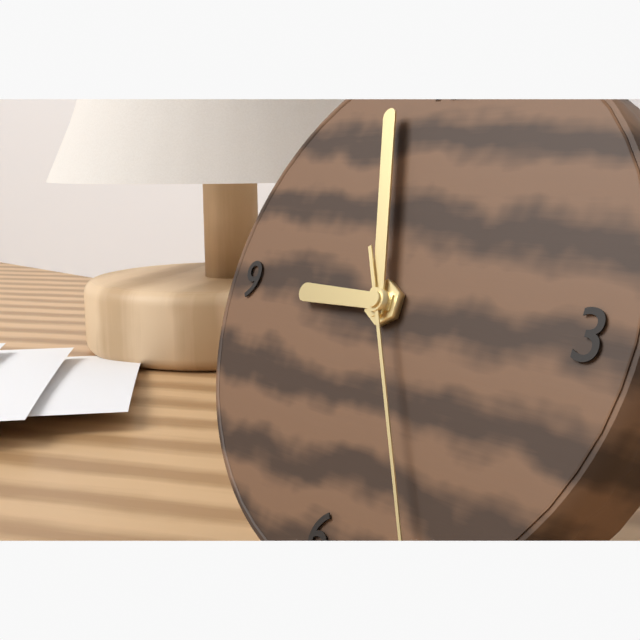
{"hour": 8, "minute": 57, "second": 25}
